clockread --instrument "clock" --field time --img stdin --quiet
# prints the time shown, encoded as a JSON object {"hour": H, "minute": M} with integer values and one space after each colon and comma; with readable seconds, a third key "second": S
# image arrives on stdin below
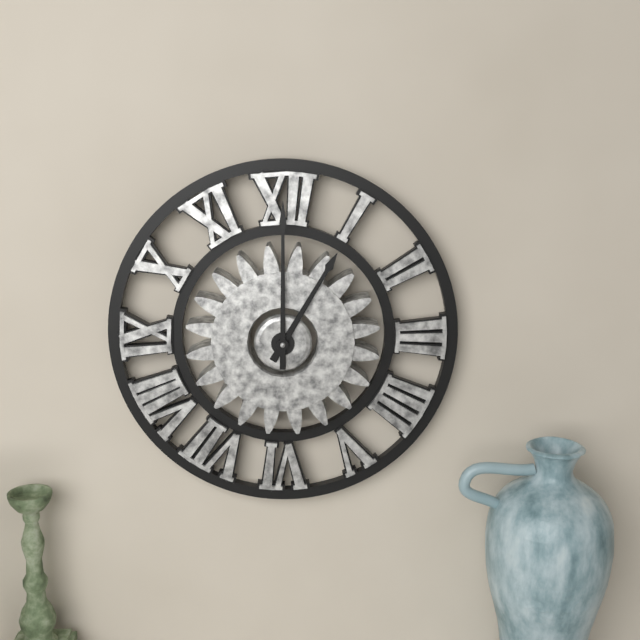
{"hour": 1, "minute": 0}
